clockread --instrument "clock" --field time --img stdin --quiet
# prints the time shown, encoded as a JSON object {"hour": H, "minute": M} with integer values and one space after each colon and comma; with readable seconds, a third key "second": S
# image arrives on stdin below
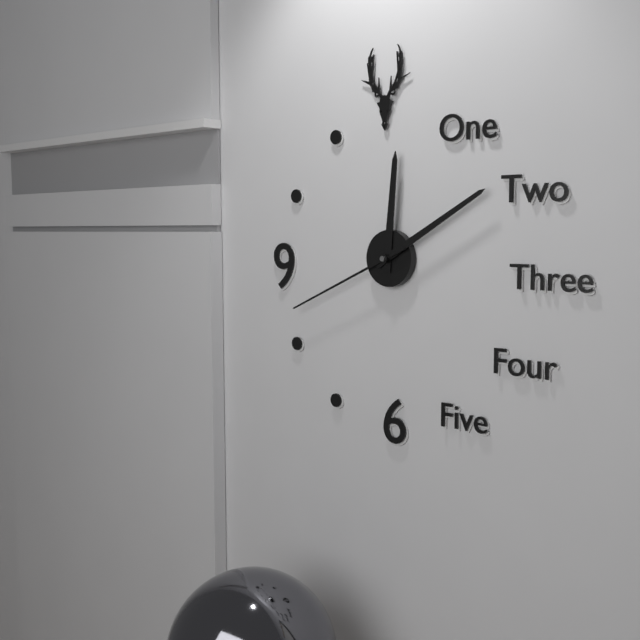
{"hour": 12, "minute": 10, "second": 41}
